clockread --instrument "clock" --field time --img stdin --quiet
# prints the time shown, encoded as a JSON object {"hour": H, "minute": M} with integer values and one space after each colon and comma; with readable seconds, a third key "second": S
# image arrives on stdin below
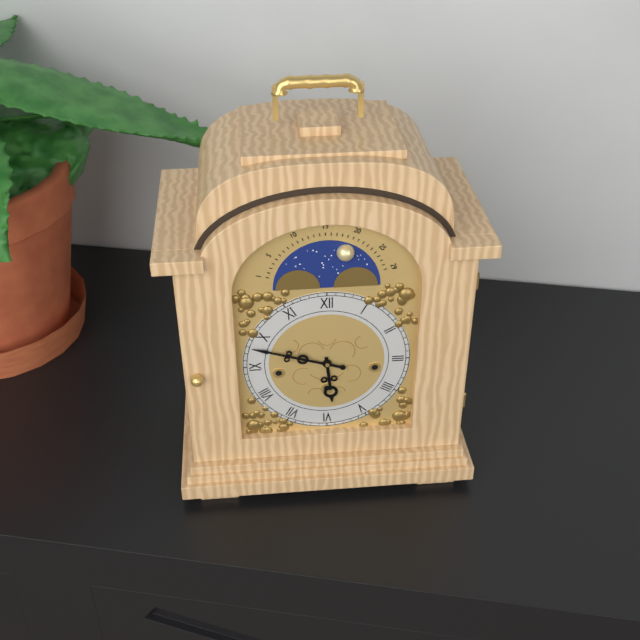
{"hour": 5, "minute": 48}
